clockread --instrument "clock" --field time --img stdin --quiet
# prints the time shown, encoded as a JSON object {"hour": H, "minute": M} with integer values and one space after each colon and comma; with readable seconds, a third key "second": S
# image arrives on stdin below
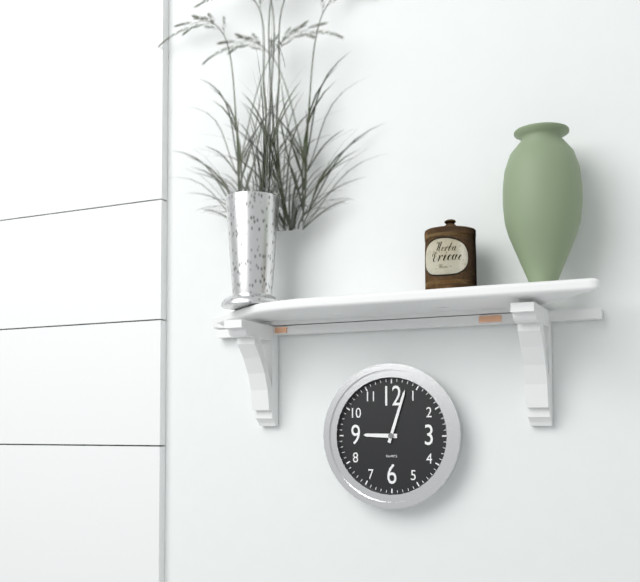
{"hour": 9, "minute": 3}
